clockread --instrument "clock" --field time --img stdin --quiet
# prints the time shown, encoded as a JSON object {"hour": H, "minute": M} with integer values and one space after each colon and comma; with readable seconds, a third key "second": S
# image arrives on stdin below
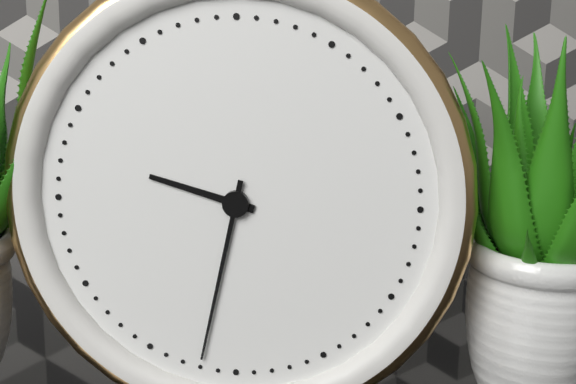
{"hour": 9, "minute": 32}
